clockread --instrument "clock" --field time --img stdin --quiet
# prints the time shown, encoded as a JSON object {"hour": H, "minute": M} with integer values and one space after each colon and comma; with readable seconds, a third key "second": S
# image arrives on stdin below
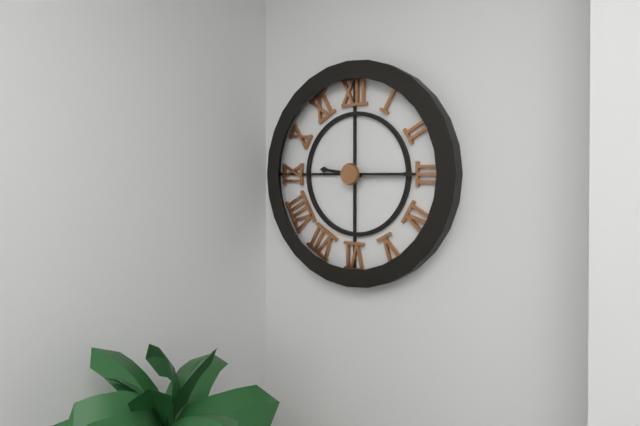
{"hour": 9, "minute": 15}
